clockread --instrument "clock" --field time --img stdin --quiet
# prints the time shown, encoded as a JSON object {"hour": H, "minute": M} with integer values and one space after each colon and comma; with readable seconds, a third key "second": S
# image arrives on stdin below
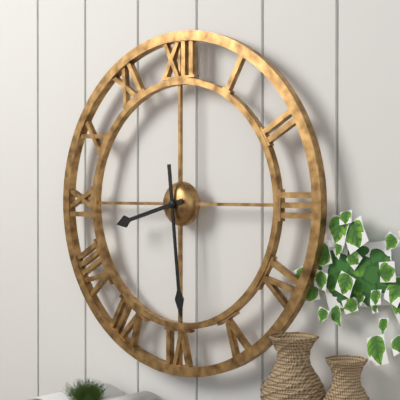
{"hour": 8, "minute": 29}
